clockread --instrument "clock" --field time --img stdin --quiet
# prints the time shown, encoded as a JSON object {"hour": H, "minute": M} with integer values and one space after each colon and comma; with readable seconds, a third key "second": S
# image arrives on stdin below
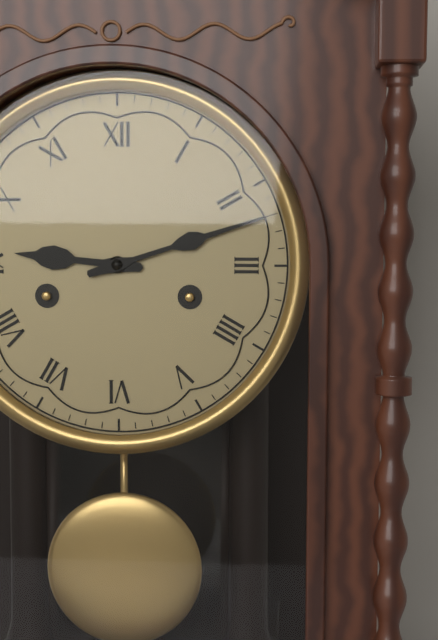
{"hour": 9, "minute": 12}
